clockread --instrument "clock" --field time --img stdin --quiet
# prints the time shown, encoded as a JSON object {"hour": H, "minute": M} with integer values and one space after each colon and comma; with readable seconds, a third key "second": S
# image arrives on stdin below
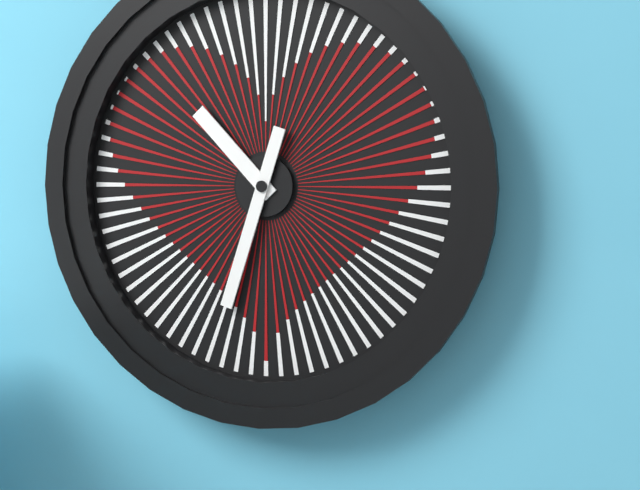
{"hour": 10, "minute": 33}
